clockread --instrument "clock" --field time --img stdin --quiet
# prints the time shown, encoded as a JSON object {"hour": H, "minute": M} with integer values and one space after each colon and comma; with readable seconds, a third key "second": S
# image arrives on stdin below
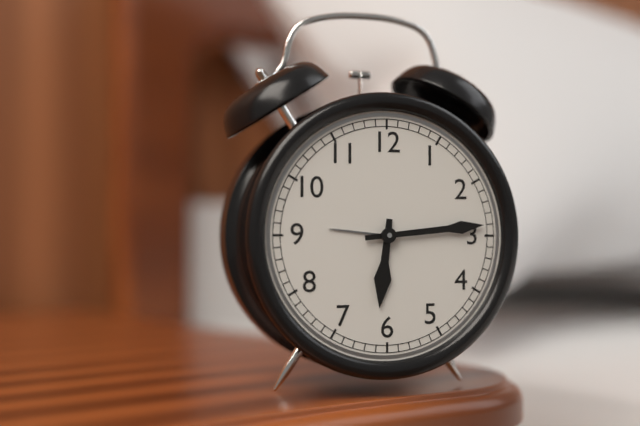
{"hour": 6, "minute": 14}
